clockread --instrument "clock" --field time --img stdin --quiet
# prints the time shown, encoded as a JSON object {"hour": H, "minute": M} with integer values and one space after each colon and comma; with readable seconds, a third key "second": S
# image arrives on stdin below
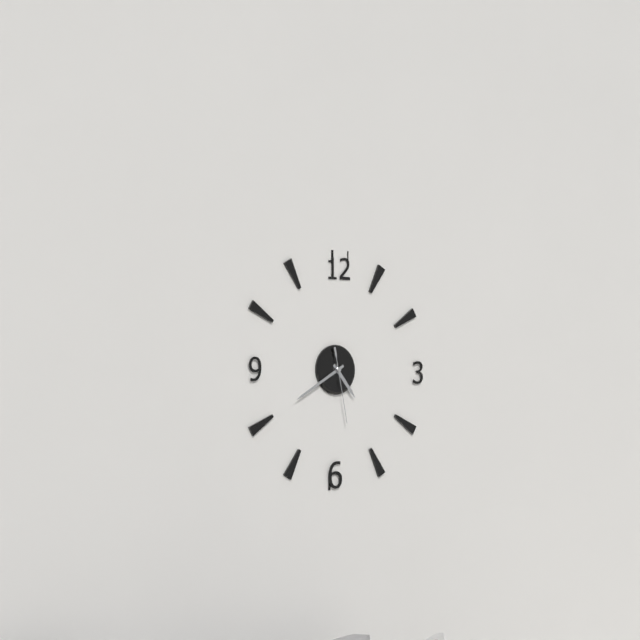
{"hour": 4, "minute": 40, "second": 28}
